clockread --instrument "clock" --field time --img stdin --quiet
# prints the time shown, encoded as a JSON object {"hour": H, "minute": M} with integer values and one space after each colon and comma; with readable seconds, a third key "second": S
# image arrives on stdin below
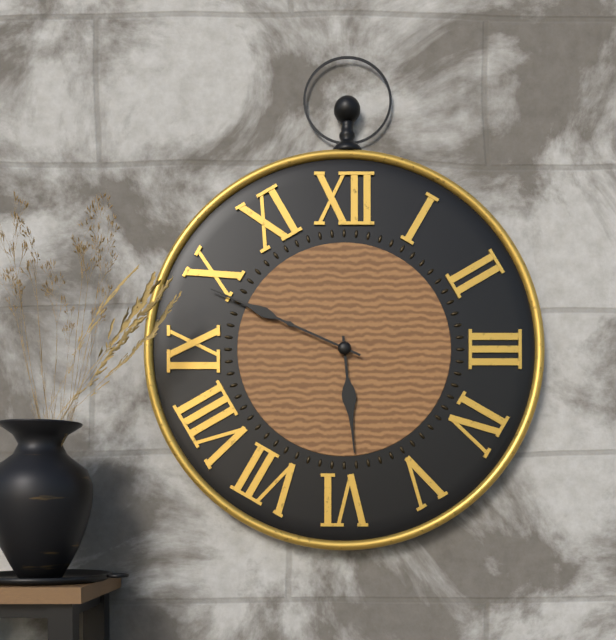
{"hour": 5, "minute": 49}
